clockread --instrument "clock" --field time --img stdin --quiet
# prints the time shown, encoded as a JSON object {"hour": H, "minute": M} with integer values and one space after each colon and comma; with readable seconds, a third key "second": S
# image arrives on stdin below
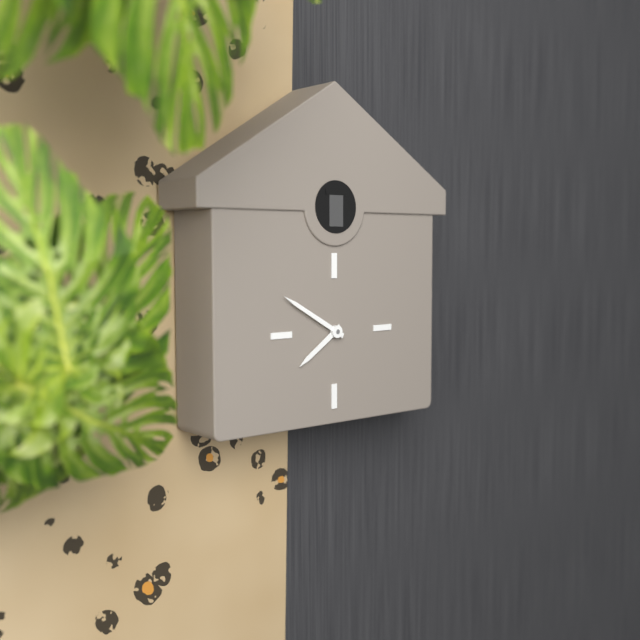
{"hour": 7, "minute": 50}
